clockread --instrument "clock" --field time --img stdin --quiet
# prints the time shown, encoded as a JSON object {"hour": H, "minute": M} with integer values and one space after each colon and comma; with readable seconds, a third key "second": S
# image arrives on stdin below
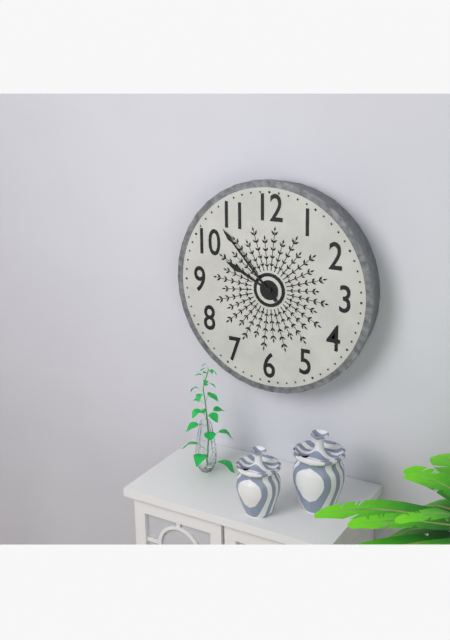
{"hour": 9, "minute": 53}
